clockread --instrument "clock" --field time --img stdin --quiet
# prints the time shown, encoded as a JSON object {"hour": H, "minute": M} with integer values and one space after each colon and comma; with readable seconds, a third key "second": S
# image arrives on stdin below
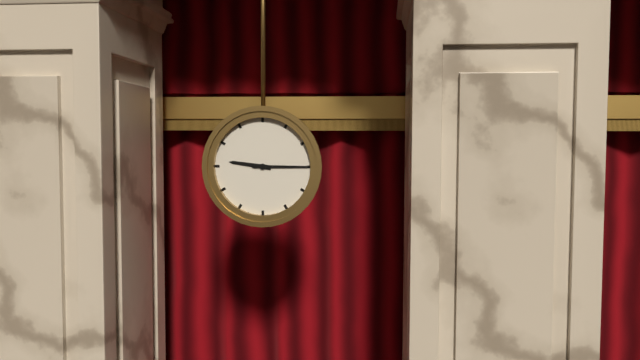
{"hour": 9, "minute": 15}
